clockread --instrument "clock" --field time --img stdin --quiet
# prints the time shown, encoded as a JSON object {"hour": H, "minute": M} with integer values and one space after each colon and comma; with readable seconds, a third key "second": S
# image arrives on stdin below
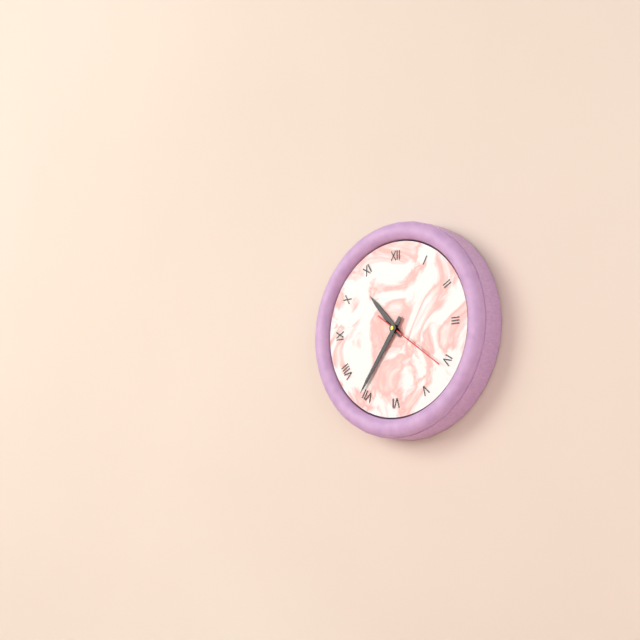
{"hour": 10, "minute": 36, "second": 21}
